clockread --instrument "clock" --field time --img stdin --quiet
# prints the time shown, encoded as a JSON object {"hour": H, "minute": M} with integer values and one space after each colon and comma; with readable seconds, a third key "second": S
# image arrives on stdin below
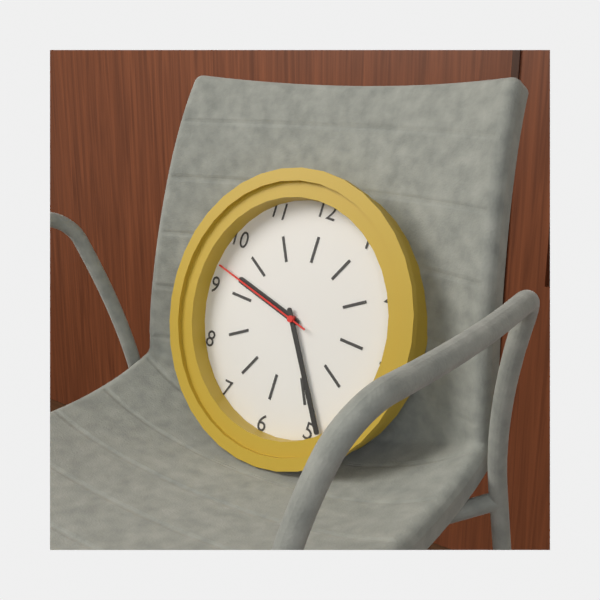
{"hour": 9, "minute": 24, "second": 47}
